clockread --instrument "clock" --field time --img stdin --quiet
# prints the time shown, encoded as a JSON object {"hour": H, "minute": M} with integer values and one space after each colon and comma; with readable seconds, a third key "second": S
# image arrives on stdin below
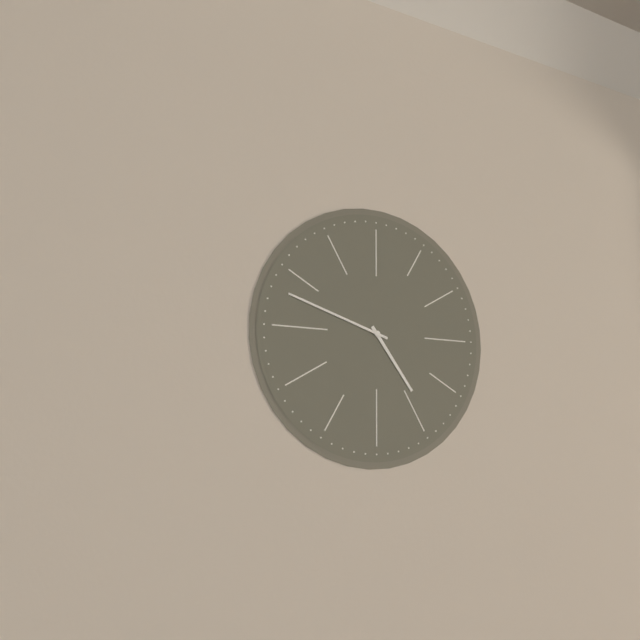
{"hour": 4, "minute": 48}
